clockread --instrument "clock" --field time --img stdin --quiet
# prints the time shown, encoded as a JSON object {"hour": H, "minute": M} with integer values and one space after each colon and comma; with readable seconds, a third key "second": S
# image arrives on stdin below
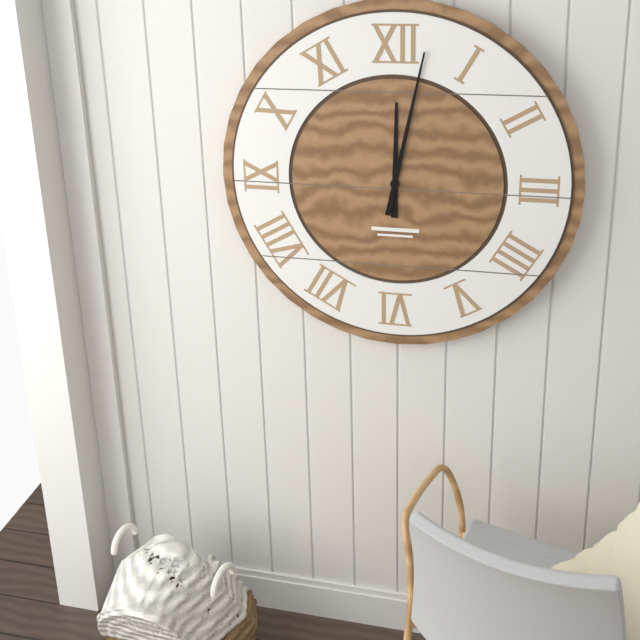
{"hour": 12, "minute": 2}
